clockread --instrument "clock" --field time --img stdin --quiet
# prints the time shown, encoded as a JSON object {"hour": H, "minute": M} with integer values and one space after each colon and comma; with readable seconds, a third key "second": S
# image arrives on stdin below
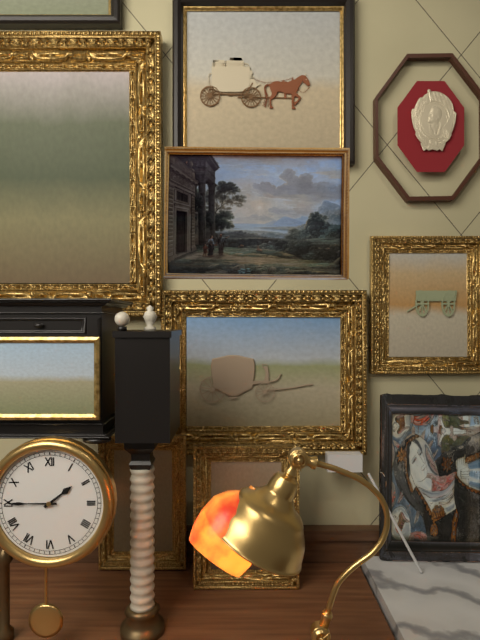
{"hour": 1, "minute": 45}
